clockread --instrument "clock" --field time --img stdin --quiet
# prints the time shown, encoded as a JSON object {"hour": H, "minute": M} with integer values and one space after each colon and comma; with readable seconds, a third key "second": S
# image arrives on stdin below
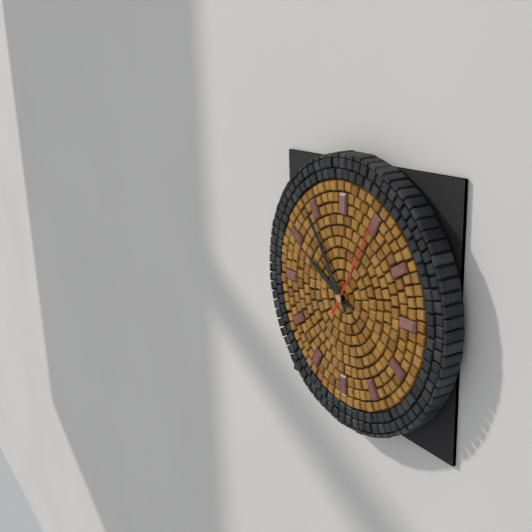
{"hour": 9, "minute": 54, "second": 5}
